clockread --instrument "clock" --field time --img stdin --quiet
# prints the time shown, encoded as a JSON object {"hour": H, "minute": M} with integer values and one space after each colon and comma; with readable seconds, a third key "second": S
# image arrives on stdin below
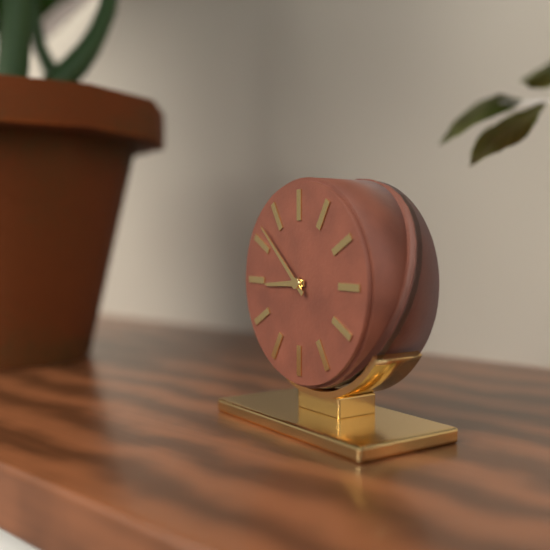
{"hour": 8, "minute": 52}
